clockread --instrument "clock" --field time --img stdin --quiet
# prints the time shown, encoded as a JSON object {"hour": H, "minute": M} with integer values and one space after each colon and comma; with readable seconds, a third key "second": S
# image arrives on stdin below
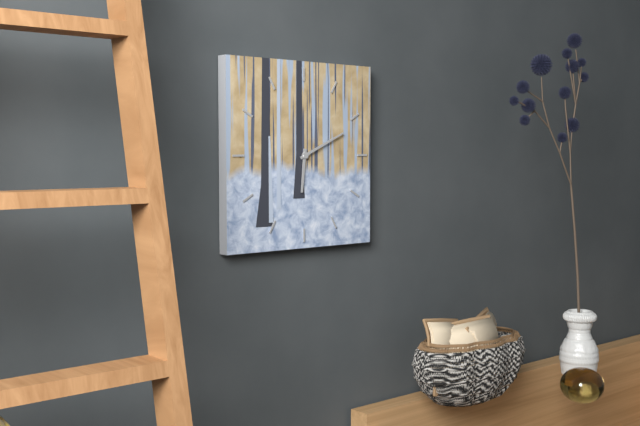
{"hour": 6, "minute": 11}
